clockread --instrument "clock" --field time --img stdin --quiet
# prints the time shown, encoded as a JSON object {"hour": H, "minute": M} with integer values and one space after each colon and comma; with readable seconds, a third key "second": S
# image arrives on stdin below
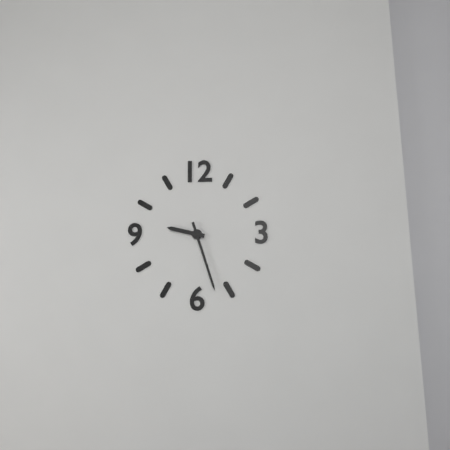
{"hour": 9, "minute": 27}
